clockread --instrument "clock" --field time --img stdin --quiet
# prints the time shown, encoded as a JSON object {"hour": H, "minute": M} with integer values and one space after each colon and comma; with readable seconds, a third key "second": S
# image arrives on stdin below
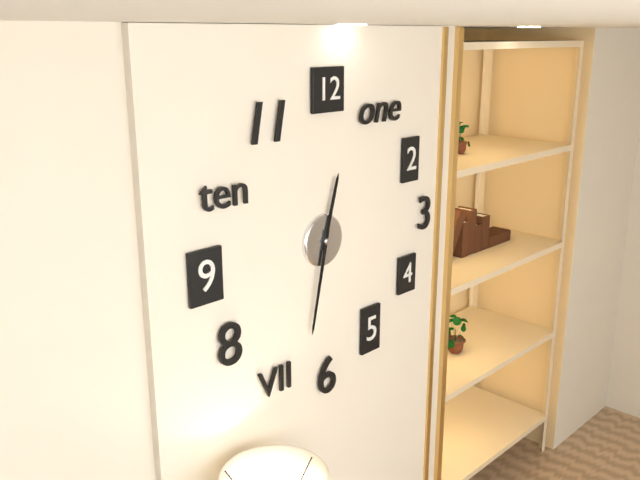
{"hour": 12, "minute": 32}
